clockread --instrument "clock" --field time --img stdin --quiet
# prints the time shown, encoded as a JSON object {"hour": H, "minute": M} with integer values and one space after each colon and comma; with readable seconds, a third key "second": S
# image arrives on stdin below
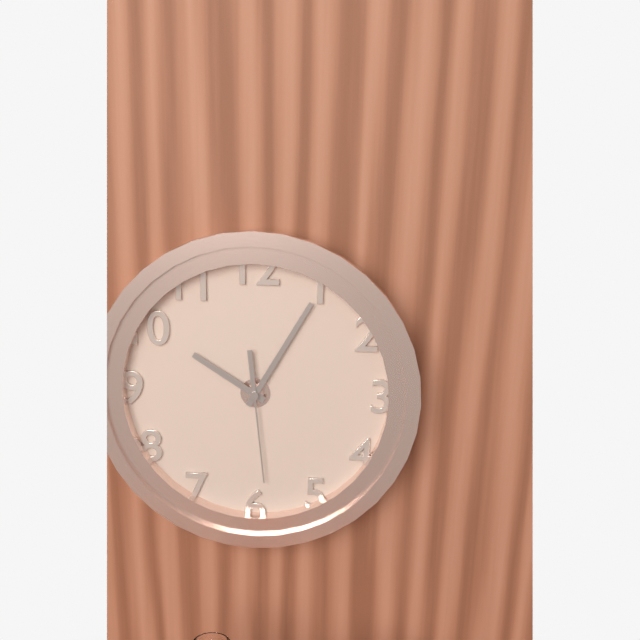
{"hour": 10, "minute": 5, "second": 29}
